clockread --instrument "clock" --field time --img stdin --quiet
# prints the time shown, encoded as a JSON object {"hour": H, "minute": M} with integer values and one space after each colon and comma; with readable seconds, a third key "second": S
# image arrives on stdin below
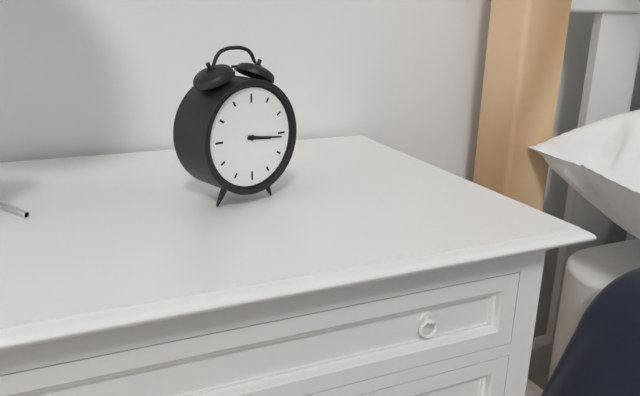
{"hour": 3, "minute": 16}
